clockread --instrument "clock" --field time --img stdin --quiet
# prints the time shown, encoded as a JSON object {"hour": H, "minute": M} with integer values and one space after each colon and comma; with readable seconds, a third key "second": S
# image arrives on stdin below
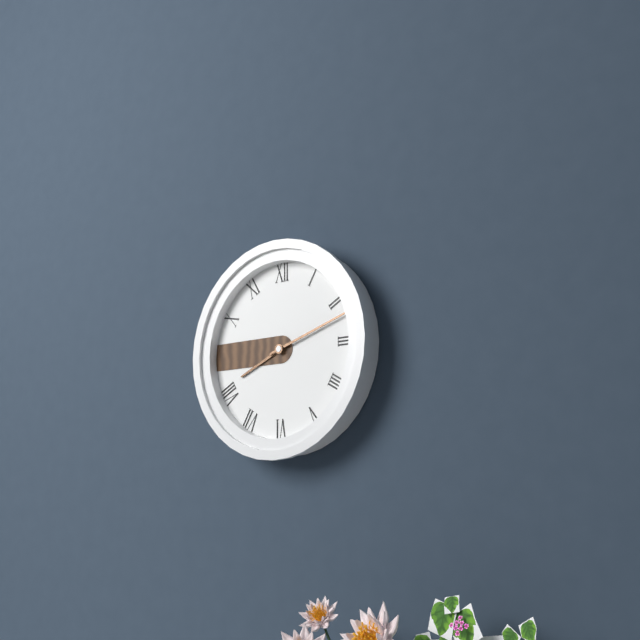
{"hour": 8, "minute": 12}
